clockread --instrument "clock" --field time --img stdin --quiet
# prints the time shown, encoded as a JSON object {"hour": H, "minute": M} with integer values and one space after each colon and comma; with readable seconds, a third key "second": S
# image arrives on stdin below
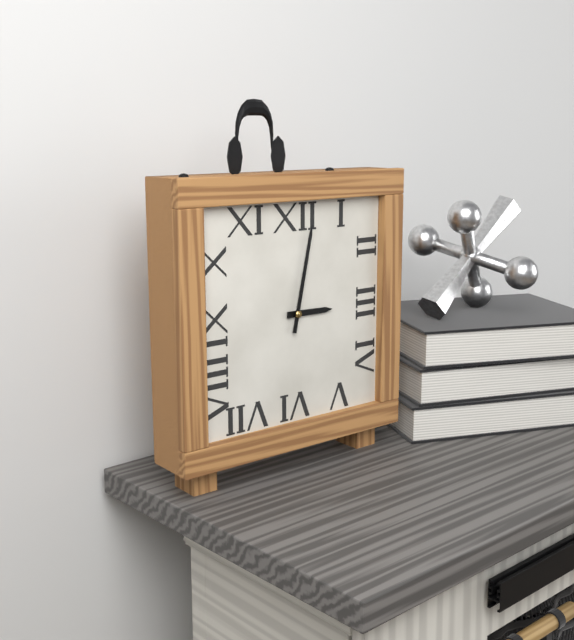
{"hour": 3, "minute": 2}
